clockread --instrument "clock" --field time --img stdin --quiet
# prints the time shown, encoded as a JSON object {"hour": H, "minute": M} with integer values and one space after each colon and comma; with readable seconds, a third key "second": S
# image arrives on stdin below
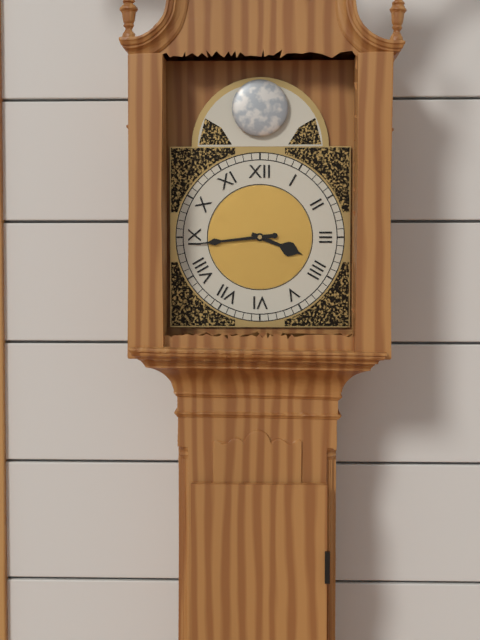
{"hour": 3, "minute": 44}
